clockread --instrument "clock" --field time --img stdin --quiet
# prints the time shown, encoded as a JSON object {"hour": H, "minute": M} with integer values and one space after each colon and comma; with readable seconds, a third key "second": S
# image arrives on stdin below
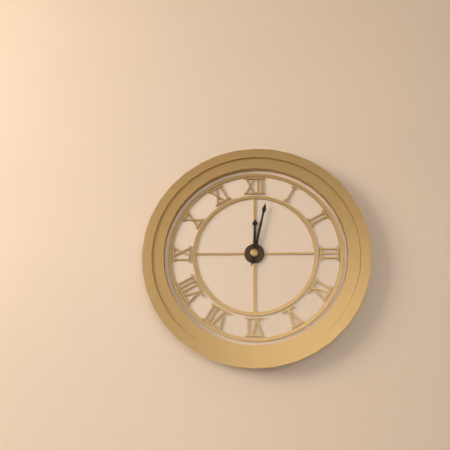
{"hour": 12, "minute": 2}
